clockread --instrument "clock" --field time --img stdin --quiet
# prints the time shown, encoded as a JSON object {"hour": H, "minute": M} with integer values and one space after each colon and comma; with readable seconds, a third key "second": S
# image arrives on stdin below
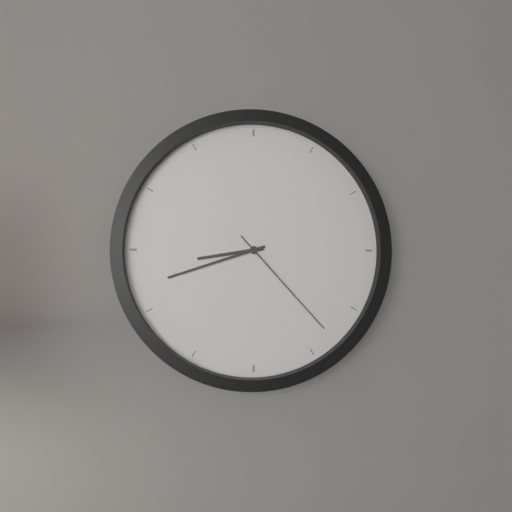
{"hour": 8, "minute": 42, "second": 23}
